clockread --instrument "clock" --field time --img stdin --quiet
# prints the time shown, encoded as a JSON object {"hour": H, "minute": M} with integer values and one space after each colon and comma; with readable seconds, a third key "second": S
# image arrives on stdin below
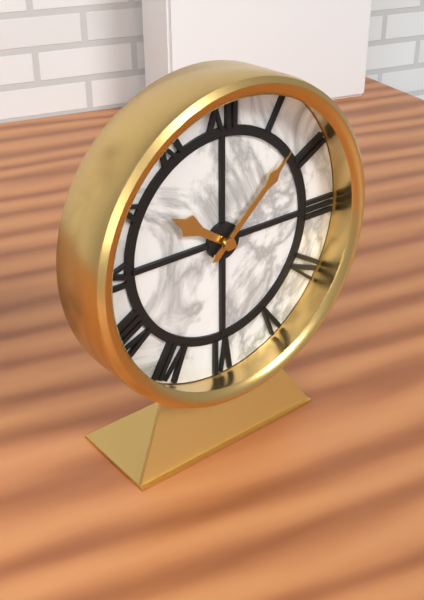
{"hour": 10, "minute": 8}
